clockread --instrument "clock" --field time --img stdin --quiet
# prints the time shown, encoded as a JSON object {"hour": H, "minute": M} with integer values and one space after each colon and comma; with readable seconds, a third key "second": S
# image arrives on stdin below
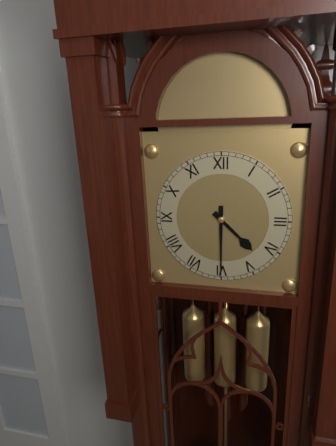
{"hour": 4, "minute": 30}
